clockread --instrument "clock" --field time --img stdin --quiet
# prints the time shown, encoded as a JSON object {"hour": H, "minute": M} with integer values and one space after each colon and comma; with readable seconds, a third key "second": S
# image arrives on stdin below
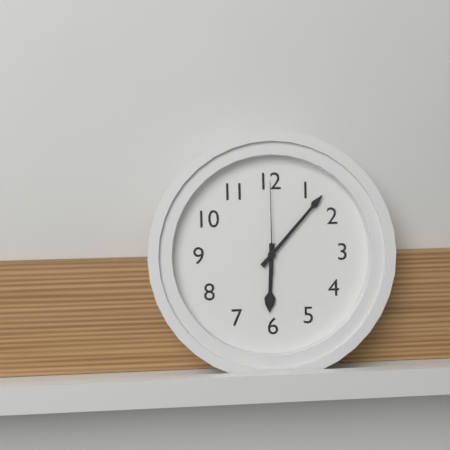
{"hour": 6, "minute": 7, "second": 0}
